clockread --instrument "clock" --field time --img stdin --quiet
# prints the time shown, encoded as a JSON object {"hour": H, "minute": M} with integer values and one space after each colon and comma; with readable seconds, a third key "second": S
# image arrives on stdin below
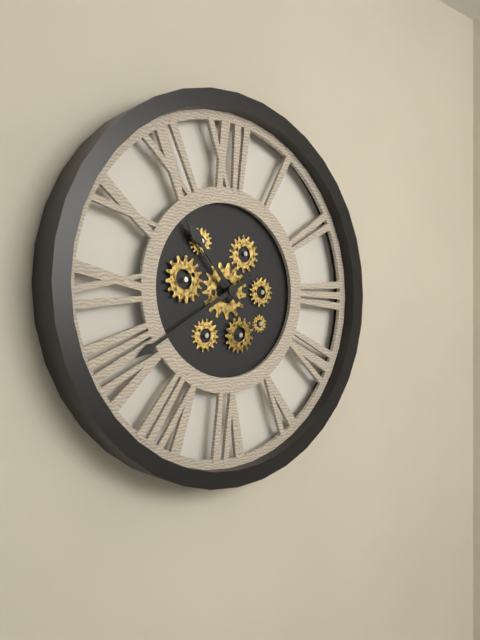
{"hour": 10, "minute": 40}
